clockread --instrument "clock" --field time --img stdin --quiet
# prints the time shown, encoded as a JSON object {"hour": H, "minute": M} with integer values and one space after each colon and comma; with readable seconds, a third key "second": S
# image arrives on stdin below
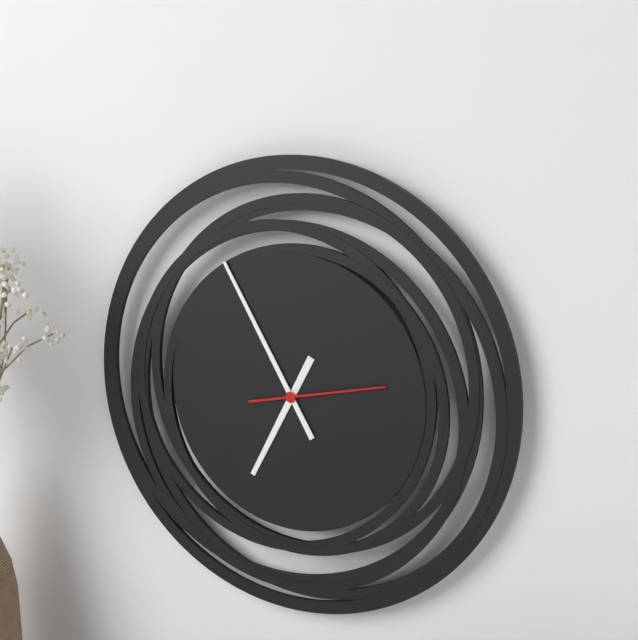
{"hour": 6, "minute": 55, "second": 13}
